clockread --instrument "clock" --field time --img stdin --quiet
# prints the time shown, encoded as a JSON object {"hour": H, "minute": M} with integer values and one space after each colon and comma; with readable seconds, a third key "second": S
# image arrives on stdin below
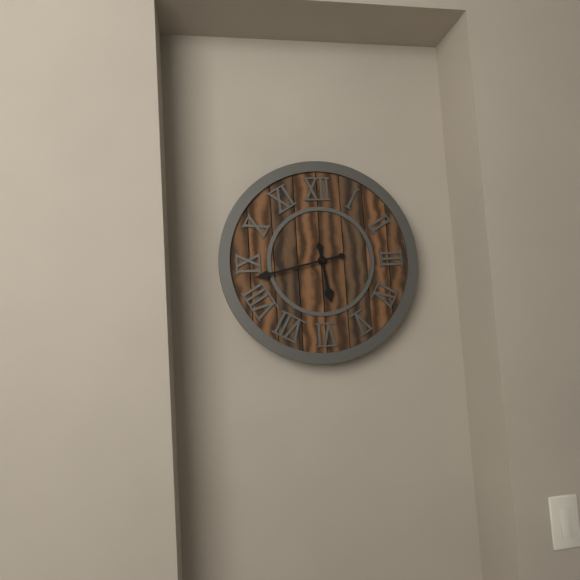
{"hour": 5, "minute": 43}
